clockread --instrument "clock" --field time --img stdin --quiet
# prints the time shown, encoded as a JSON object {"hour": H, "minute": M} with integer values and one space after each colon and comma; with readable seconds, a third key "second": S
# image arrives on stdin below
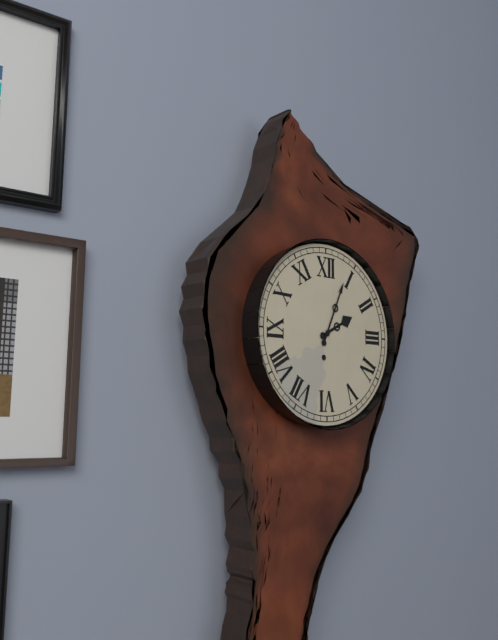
{"hour": 2, "minute": 4}
